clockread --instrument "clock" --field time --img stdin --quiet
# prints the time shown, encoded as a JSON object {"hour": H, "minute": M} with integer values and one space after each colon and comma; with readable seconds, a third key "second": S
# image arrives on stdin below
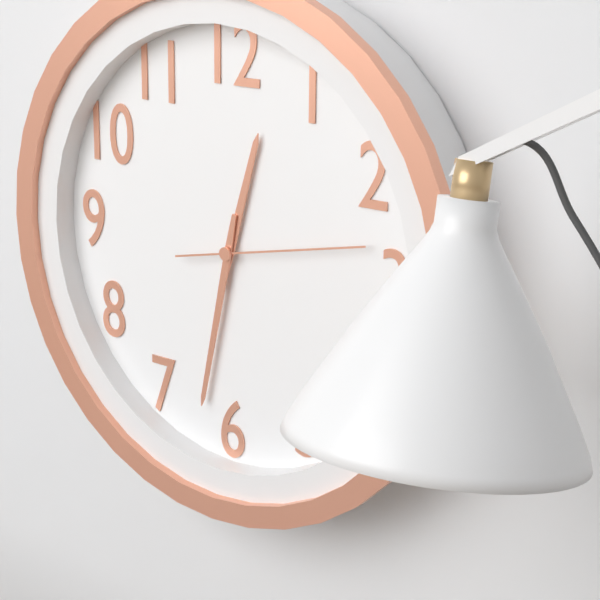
{"hour": 12, "minute": 32, "second": 13}
